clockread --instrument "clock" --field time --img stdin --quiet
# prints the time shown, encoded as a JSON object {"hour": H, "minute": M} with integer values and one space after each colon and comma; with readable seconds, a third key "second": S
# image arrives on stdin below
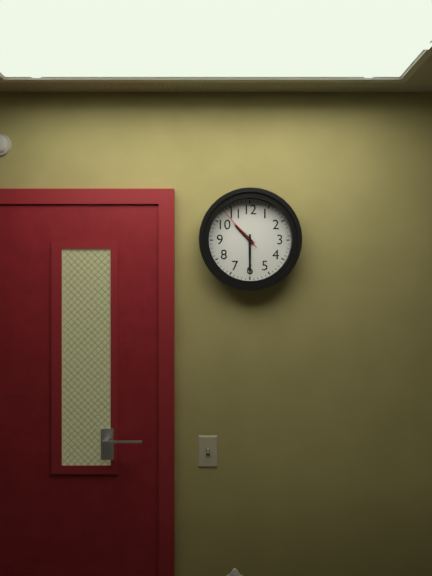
{"hour": 10, "minute": 30}
